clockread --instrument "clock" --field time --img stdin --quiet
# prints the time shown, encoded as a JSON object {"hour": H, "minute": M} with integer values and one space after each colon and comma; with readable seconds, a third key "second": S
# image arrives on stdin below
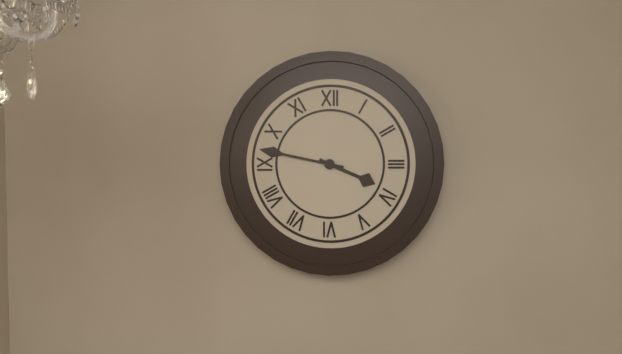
{"hour": 3, "minute": 47}
